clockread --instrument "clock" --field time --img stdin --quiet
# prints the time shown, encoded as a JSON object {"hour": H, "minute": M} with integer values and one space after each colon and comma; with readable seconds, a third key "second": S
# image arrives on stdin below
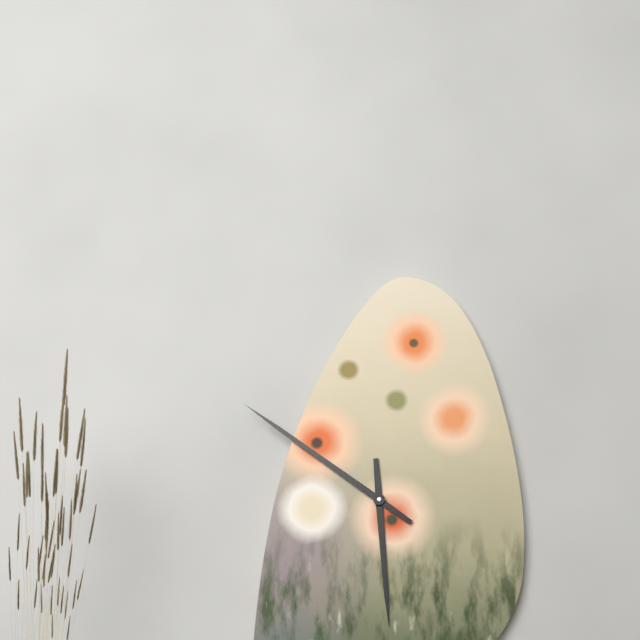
{"hour": 5, "minute": 51}
